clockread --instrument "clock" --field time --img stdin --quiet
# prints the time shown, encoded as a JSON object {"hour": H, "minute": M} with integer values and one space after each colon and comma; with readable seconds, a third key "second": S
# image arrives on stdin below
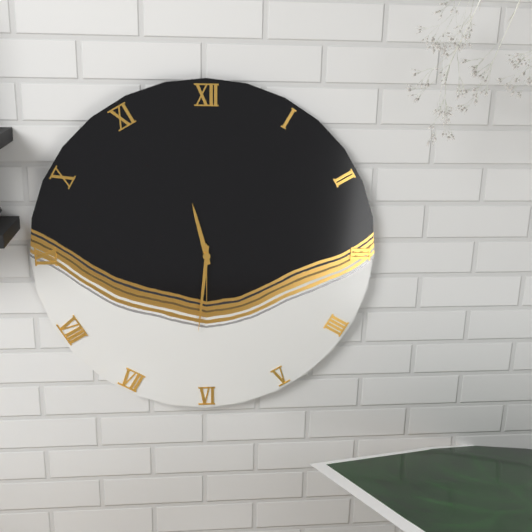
{"hour": 11, "minute": 31, "second": 30}
